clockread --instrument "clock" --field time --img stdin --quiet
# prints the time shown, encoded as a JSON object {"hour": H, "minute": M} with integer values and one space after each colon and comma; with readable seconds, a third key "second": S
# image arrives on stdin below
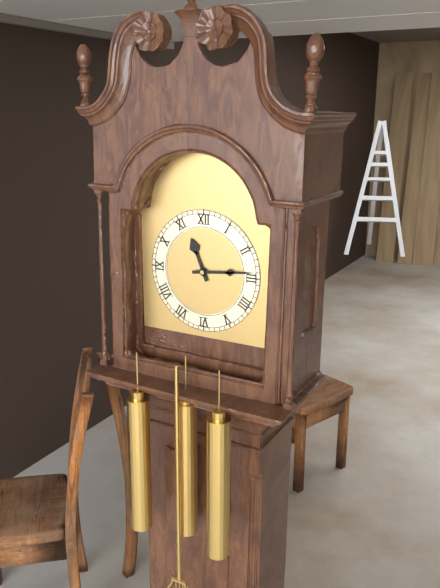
{"hour": 11, "minute": 14}
